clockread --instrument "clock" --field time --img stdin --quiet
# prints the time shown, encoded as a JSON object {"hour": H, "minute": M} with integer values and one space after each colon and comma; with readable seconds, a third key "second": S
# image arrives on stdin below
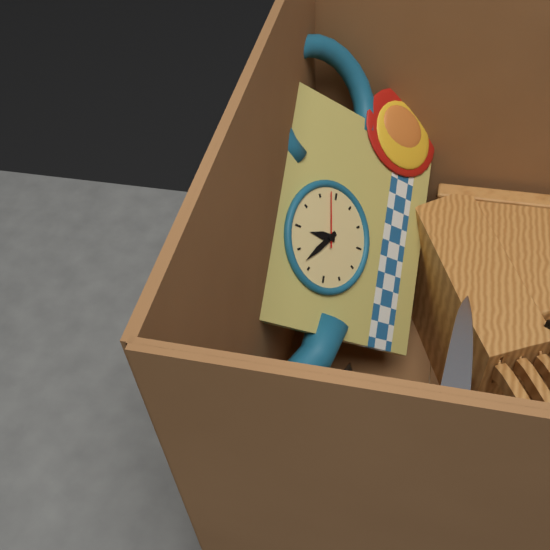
{"hour": 11, "minute": 52, "second": 13}
